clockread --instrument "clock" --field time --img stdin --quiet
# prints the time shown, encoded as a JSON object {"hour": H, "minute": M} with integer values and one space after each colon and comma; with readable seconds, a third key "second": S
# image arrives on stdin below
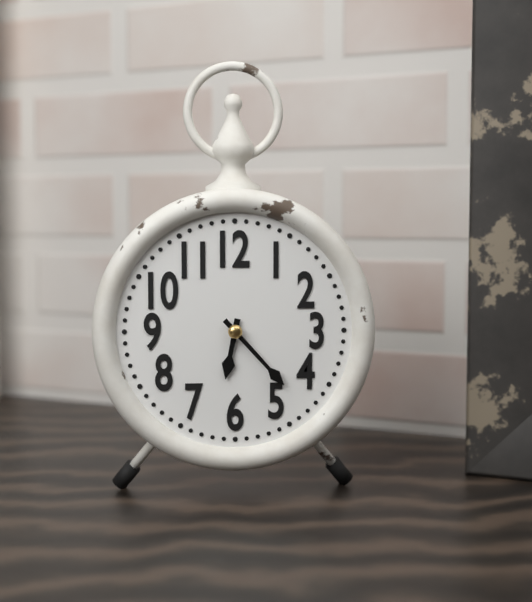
{"hour": 6, "minute": 23}
